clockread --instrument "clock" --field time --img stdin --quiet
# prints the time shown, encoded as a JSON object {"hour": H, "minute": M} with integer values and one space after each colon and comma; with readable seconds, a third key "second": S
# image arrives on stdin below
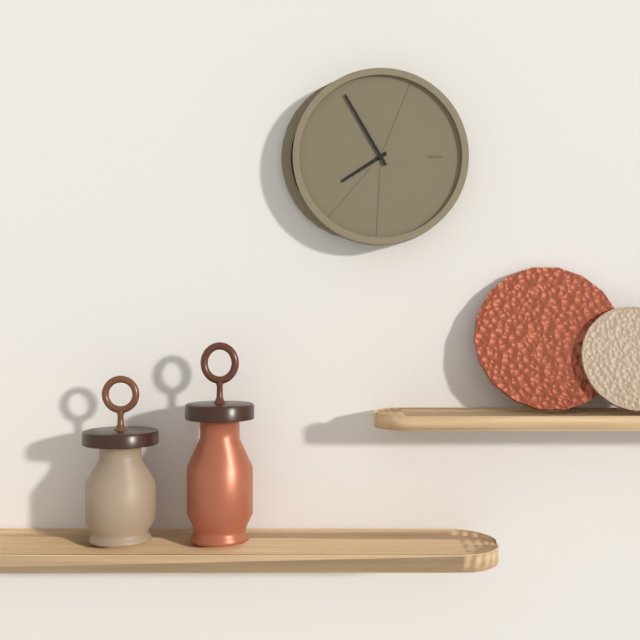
{"hour": 7, "minute": 55}
